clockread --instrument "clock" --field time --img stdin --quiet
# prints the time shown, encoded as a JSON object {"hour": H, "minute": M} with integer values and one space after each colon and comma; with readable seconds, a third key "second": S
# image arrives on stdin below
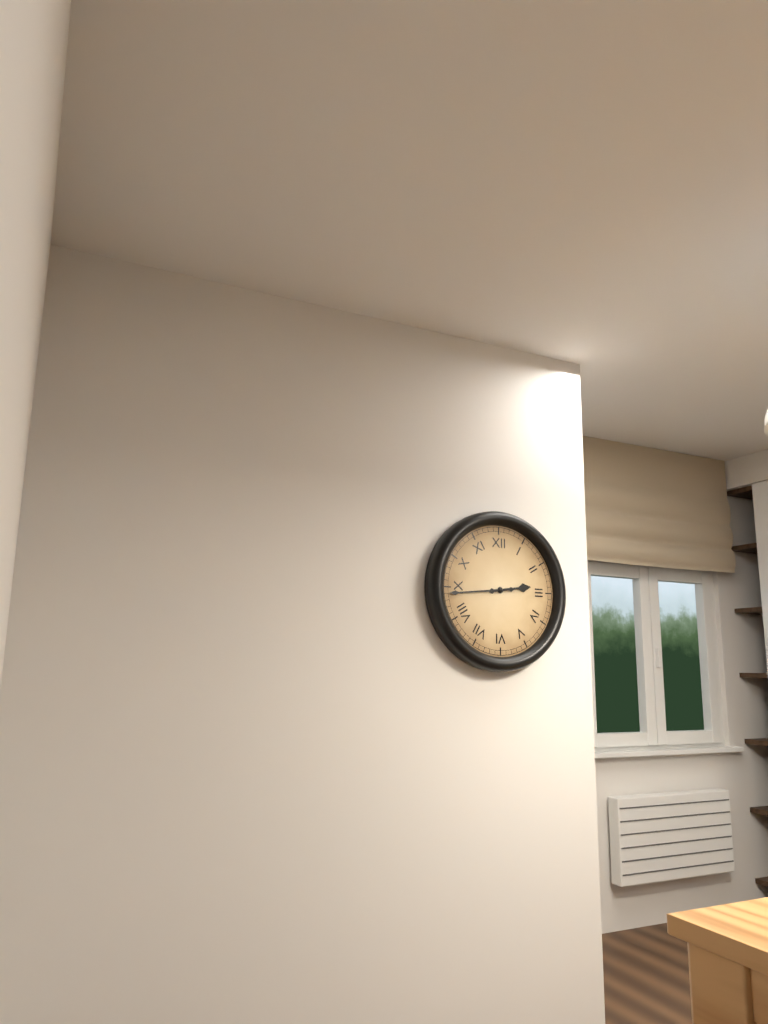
{"hour": 2, "minute": 44}
